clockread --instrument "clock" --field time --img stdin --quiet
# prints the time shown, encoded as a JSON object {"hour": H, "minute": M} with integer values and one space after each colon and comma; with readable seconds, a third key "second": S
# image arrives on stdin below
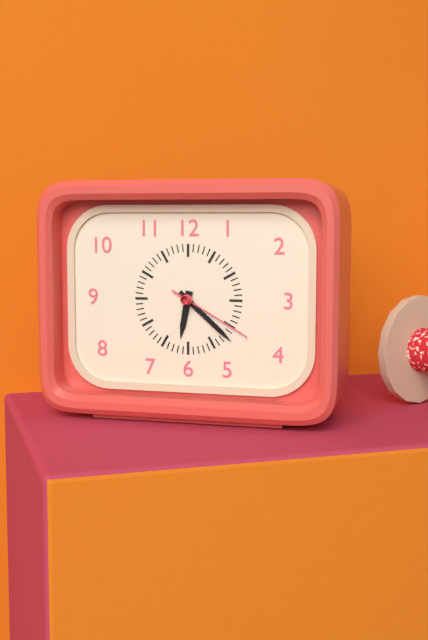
{"hour": 6, "minute": 22, "second": 20}
